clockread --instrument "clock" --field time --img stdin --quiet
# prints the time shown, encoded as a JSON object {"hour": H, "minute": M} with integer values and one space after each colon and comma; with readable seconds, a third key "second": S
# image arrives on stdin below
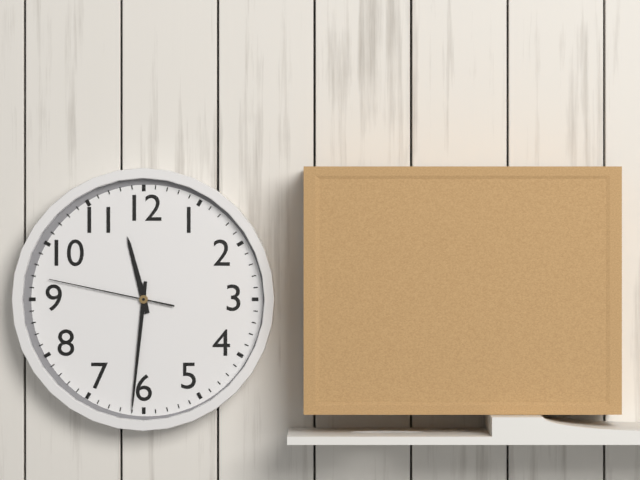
{"hour": 11, "minute": 31, "second": 47}
